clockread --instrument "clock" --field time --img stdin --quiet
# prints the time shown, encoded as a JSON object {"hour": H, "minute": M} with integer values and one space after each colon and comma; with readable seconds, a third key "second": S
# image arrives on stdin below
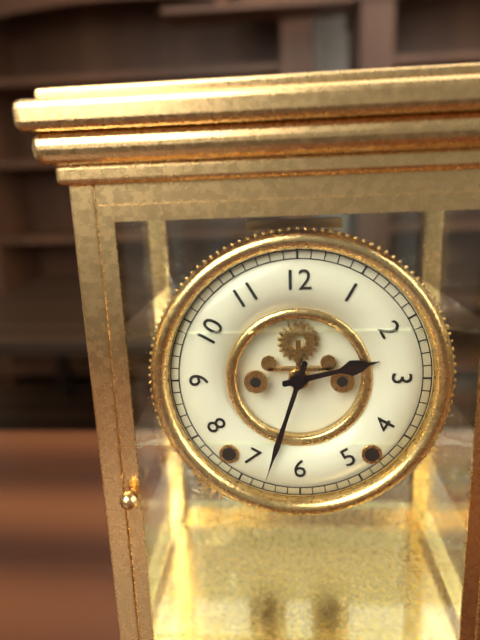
{"hour": 2, "minute": 33}
